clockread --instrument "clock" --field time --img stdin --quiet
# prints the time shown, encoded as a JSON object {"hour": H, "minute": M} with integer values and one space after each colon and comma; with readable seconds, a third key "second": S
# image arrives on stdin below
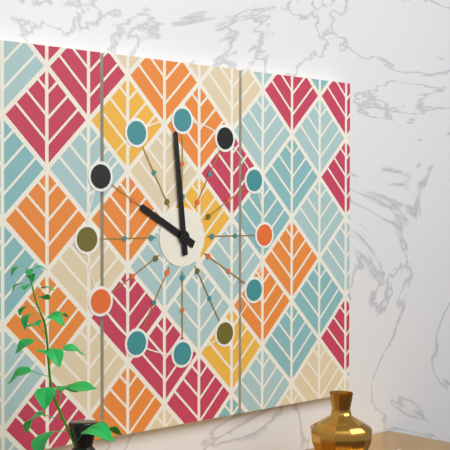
{"hour": 9, "minute": 59}
